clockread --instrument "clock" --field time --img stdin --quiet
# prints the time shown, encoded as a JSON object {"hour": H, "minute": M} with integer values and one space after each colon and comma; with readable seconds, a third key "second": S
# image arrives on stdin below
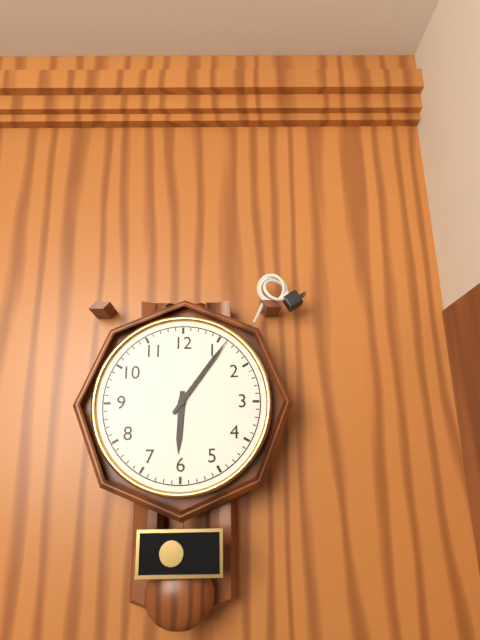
{"hour": 6, "minute": 6}
